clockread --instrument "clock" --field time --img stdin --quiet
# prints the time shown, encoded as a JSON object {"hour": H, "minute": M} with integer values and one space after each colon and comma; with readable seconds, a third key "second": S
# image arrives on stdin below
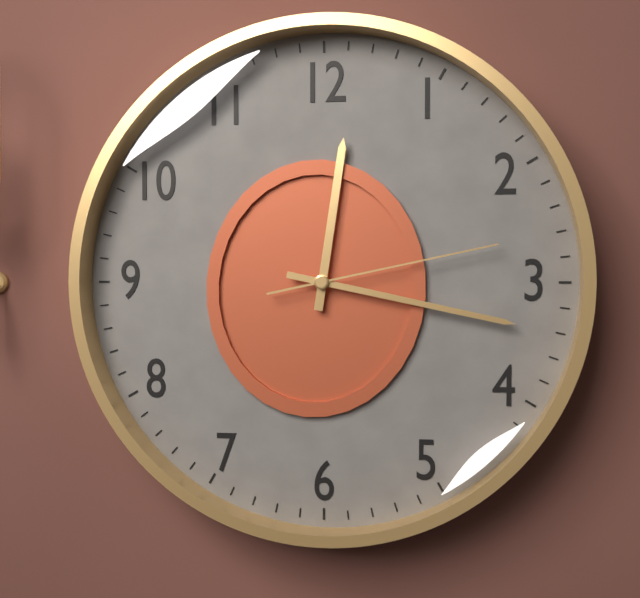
{"hour": 12, "minute": 17, "second": 13}
